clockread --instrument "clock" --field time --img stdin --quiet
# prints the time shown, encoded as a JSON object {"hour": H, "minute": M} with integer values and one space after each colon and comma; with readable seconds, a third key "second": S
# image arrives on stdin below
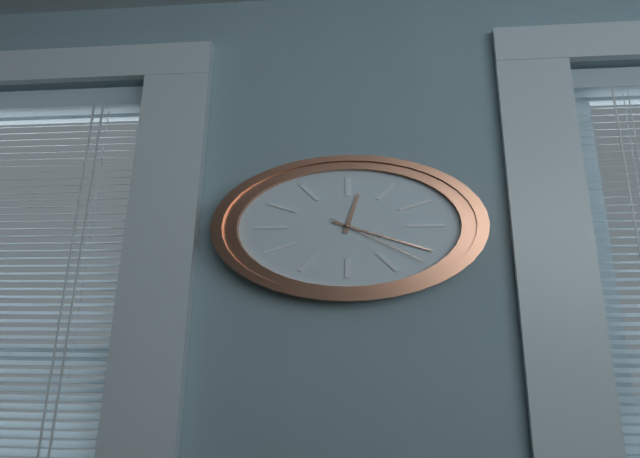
{"hour": 12, "minute": 20, "second": 22}
